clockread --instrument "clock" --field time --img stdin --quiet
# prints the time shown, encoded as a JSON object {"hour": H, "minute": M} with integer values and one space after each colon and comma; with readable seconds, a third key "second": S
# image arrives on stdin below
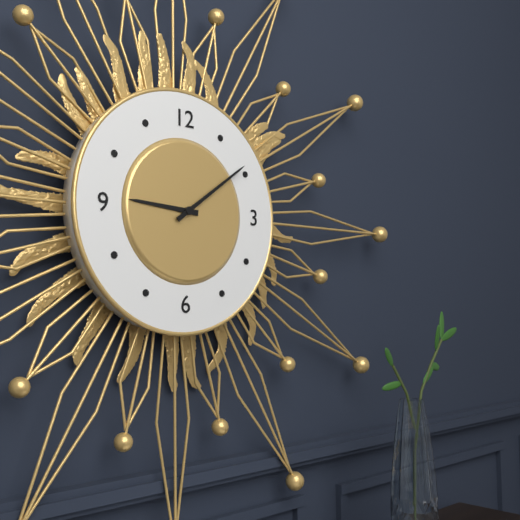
{"hour": 9, "minute": 9}
